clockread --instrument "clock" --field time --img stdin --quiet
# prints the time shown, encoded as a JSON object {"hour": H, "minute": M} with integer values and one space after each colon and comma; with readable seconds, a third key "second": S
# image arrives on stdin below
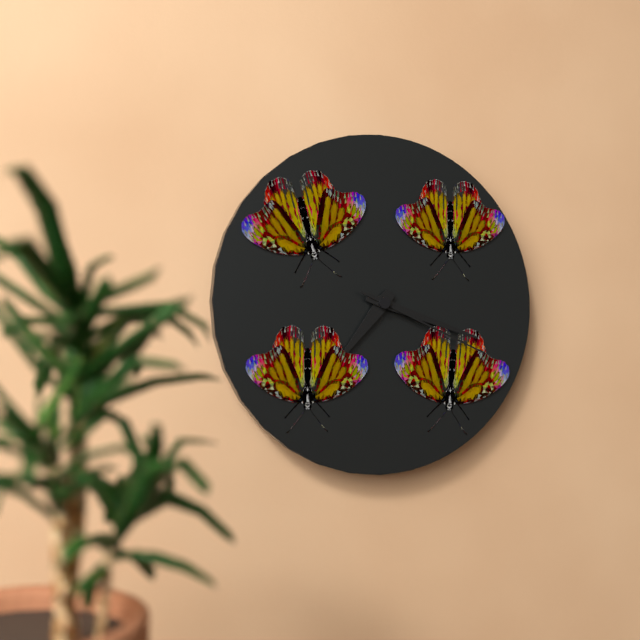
{"hour": 7, "minute": 18, "second": 19}
